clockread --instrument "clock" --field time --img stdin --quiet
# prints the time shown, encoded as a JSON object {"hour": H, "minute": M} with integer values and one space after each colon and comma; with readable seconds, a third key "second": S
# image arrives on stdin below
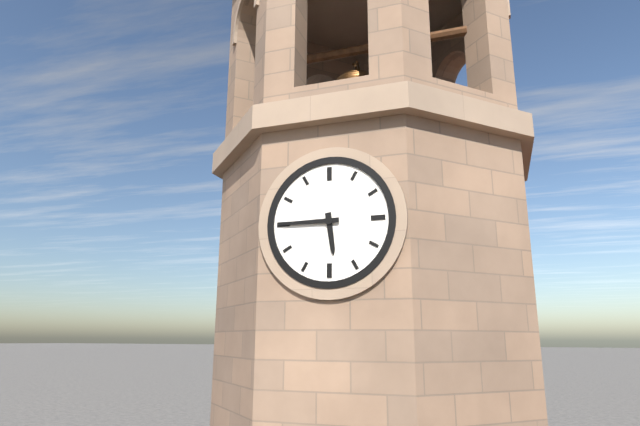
{"hour": 5, "minute": 45}
